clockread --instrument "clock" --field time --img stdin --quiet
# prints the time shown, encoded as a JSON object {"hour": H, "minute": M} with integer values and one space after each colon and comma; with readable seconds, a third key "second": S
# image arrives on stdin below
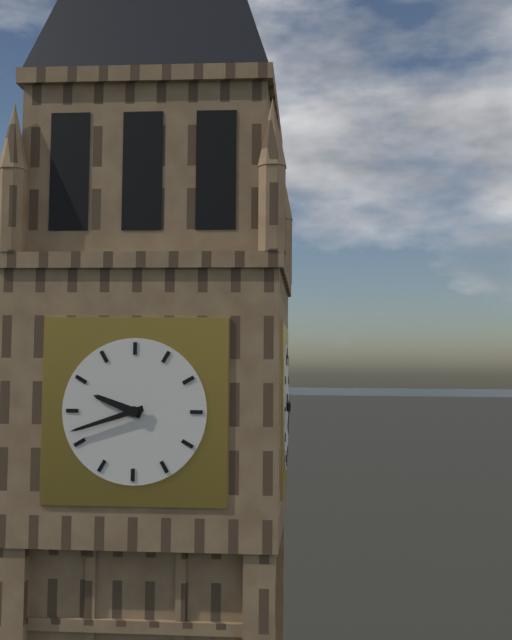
{"hour": 9, "minute": 42}
